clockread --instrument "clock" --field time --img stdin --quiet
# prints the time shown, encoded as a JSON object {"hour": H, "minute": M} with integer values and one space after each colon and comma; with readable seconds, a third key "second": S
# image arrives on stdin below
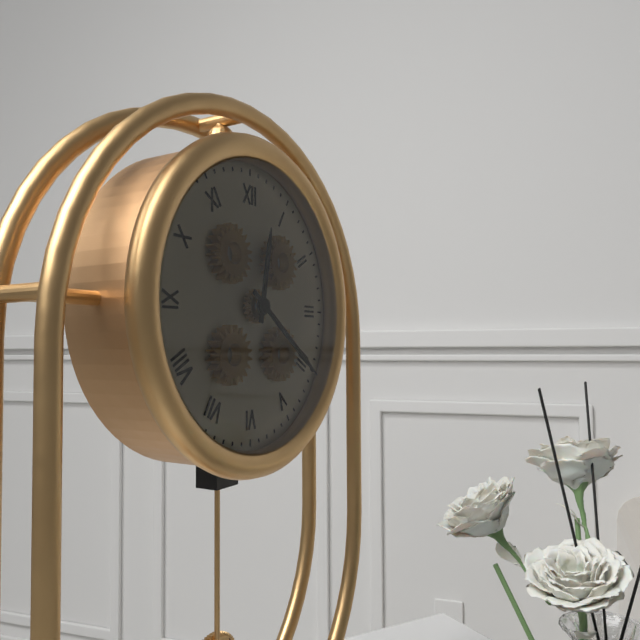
{"hour": 12, "minute": 21}
